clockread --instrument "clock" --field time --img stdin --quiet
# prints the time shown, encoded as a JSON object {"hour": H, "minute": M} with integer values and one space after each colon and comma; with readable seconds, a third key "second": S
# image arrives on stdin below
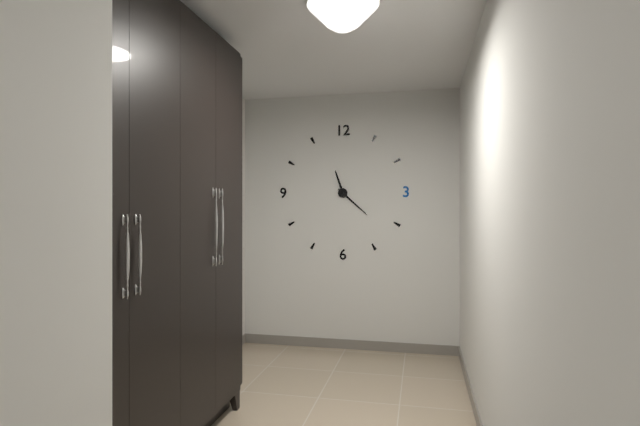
{"hour": 11, "minute": 22}
